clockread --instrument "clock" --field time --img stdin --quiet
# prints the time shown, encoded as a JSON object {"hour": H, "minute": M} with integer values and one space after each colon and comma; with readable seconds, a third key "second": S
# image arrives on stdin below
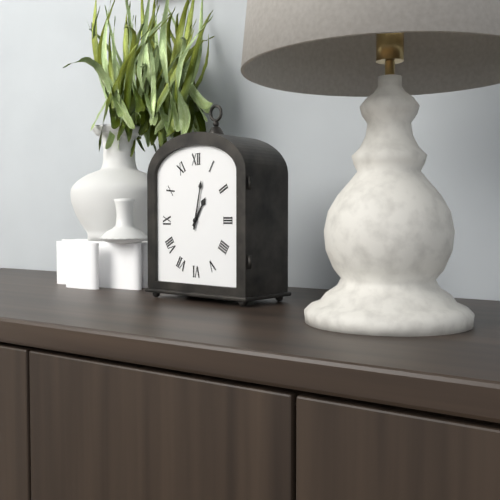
{"hour": 1, "minute": 2}
